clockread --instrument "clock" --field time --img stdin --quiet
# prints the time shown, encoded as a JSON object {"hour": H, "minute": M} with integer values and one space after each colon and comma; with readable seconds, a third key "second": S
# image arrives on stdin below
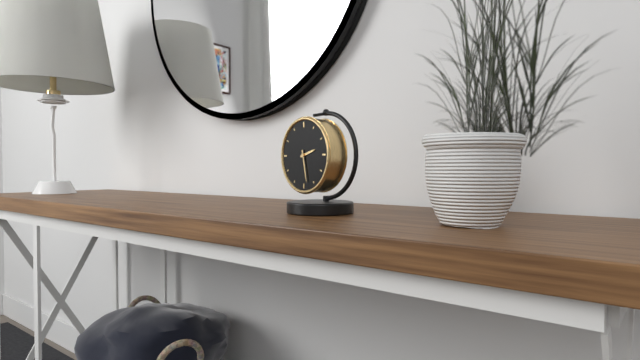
{"hour": 2, "minute": 28}
